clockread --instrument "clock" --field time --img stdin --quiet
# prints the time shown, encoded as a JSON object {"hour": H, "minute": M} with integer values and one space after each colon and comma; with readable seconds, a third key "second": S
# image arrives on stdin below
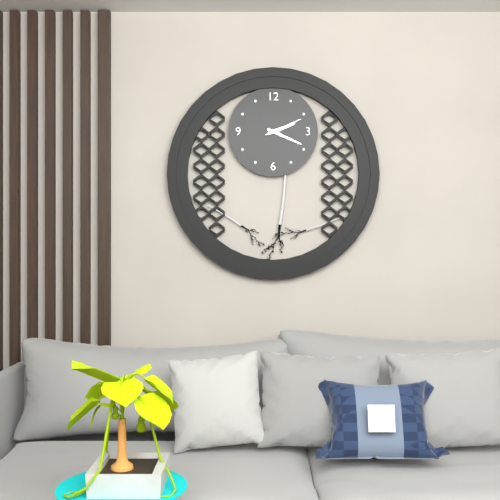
{"hour": 2, "minute": 19}
